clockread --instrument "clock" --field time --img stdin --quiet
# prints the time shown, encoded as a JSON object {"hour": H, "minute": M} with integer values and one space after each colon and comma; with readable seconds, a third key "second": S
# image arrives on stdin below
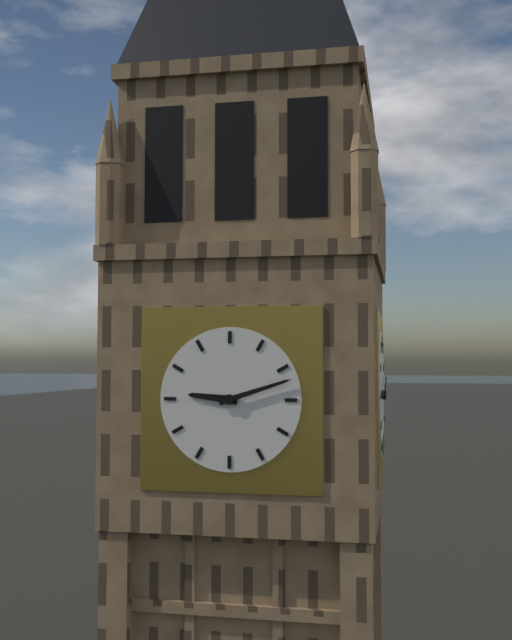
{"hour": 9, "minute": 12}
